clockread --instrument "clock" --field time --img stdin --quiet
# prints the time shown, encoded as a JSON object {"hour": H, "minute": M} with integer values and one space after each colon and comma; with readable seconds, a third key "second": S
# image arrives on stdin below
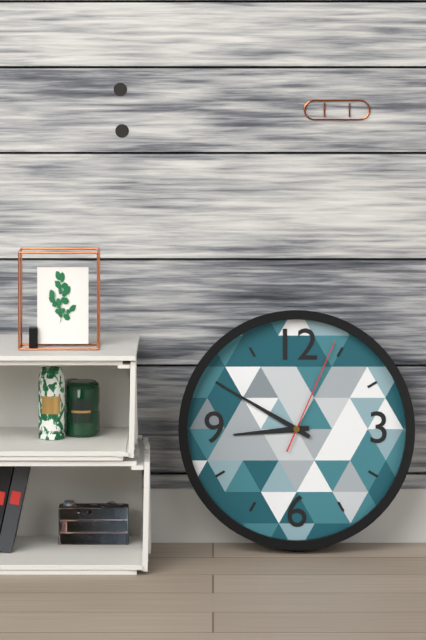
{"hour": 8, "minute": 50, "second": 4}
